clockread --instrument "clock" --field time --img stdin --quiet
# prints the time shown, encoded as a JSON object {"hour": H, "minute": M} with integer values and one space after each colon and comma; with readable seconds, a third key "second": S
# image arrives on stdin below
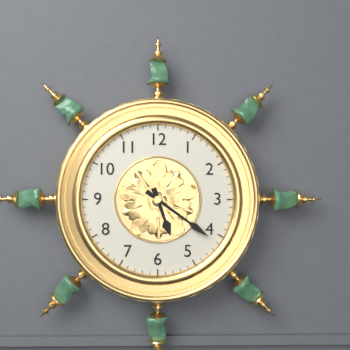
{"hour": 5, "minute": 21}
